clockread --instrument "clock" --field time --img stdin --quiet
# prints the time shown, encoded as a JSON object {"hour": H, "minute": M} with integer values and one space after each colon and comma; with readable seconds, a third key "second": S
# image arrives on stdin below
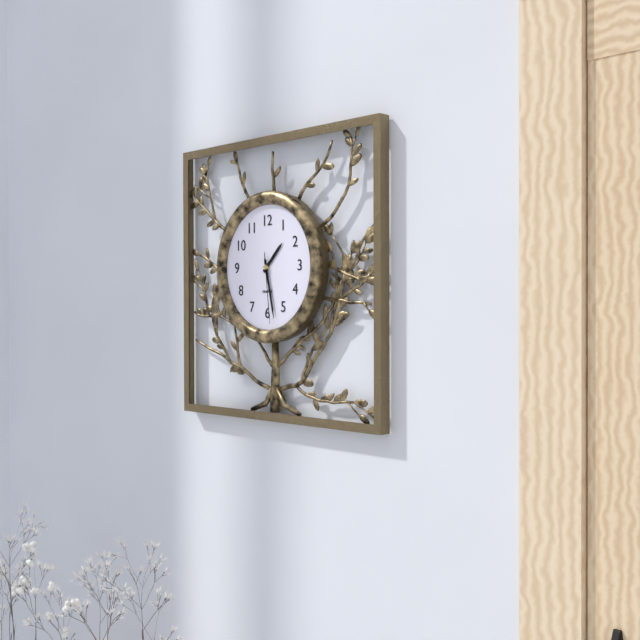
{"hour": 1, "minute": 28, "second": 29}
